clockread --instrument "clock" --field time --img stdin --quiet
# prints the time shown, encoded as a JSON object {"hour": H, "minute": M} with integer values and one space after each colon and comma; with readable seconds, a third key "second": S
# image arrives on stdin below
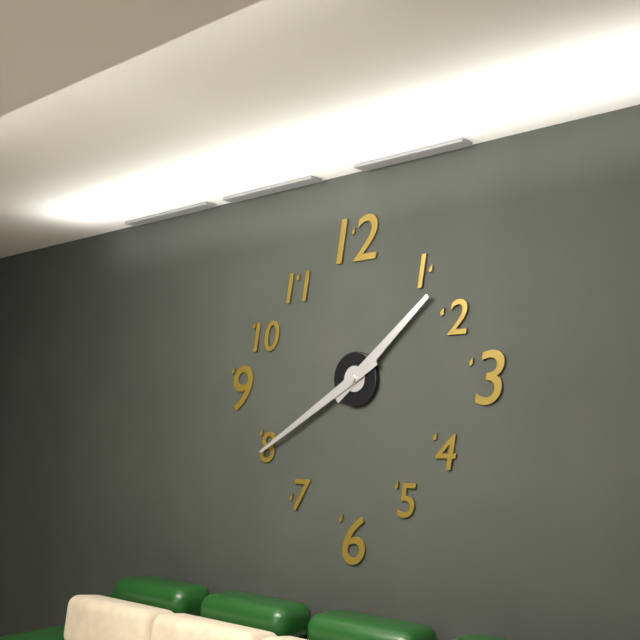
{"hour": 1, "minute": 40}
